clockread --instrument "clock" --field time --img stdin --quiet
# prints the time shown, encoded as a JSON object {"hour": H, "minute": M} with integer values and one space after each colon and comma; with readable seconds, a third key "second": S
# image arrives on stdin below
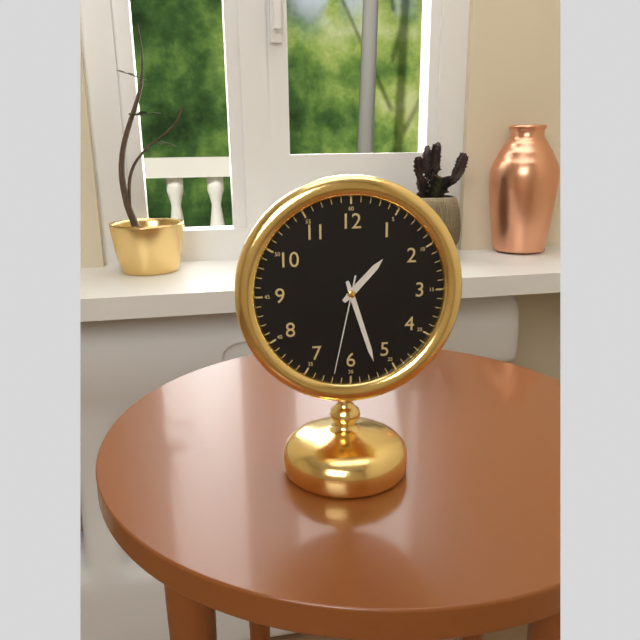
{"hour": 1, "minute": 27, "second": 32}
